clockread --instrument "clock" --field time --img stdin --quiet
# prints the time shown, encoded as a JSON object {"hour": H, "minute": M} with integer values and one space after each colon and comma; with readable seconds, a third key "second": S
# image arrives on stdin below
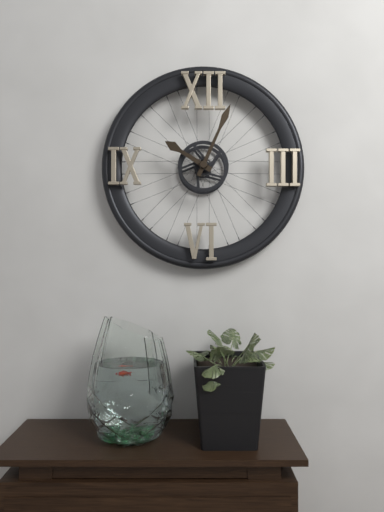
{"hour": 10, "minute": 4}
